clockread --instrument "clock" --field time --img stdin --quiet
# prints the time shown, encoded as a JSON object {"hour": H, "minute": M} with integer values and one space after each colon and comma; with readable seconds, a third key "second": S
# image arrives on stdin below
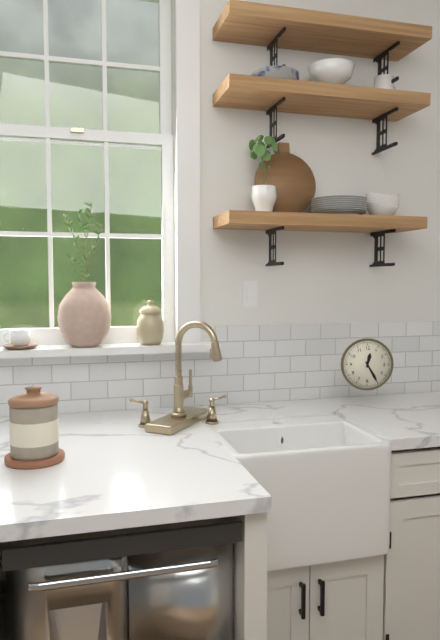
{"hour": 12, "minute": 25}
